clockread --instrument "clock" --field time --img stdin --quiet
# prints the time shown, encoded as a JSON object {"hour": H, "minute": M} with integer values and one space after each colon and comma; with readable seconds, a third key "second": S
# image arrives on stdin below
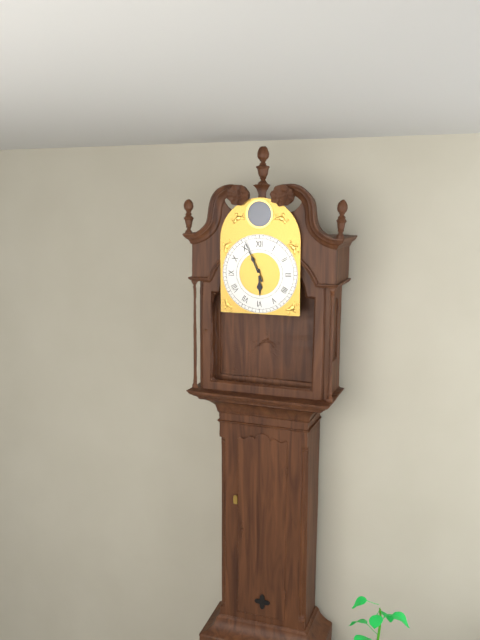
{"hour": 5, "minute": 56}
